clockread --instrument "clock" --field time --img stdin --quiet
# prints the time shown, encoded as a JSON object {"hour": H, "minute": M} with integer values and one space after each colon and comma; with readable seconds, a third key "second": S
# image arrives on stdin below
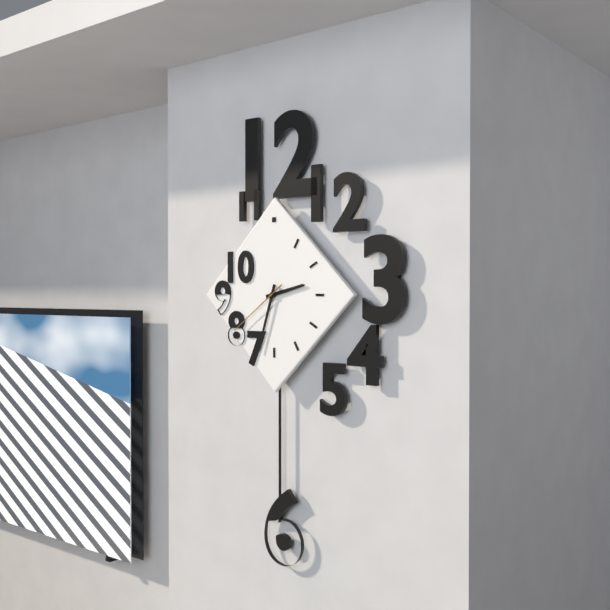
{"hour": 2, "minute": 33, "second": 39}
